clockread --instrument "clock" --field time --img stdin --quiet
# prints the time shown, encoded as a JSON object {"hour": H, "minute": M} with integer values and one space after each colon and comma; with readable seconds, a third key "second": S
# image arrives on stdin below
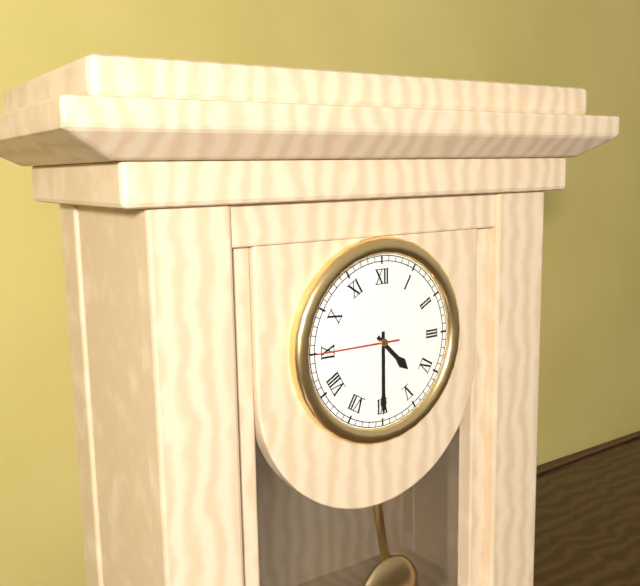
{"hour": 4, "minute": 30, "second": 45}
